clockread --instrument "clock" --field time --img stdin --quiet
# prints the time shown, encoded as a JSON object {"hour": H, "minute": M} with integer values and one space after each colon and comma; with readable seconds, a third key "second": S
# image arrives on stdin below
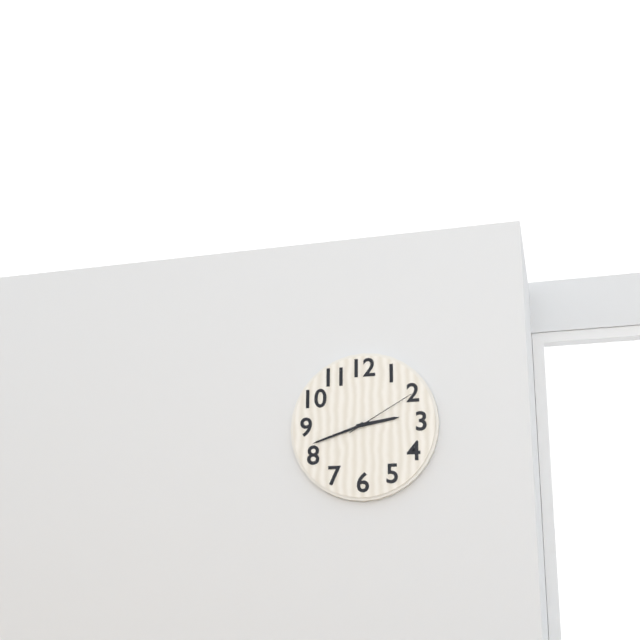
{"hour": 2, "minute": 42, "second": 10}
